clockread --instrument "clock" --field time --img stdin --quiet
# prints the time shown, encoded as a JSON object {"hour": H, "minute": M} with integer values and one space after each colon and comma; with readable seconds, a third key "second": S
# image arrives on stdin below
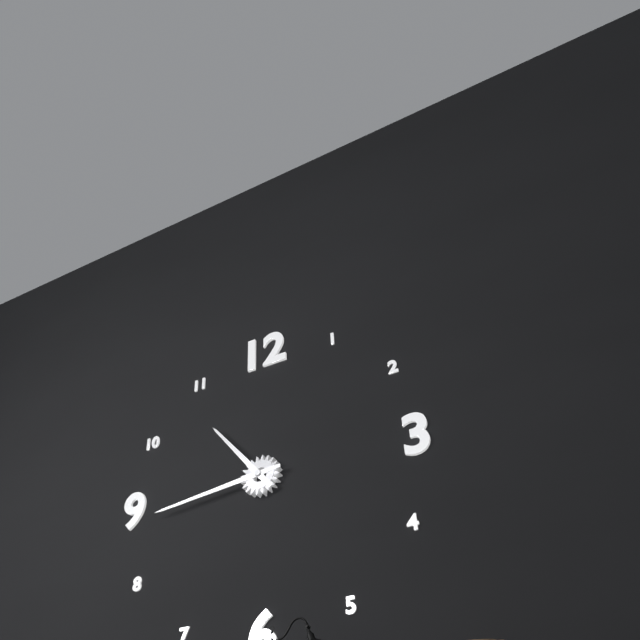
{"hour": 10, "minute": 44}
